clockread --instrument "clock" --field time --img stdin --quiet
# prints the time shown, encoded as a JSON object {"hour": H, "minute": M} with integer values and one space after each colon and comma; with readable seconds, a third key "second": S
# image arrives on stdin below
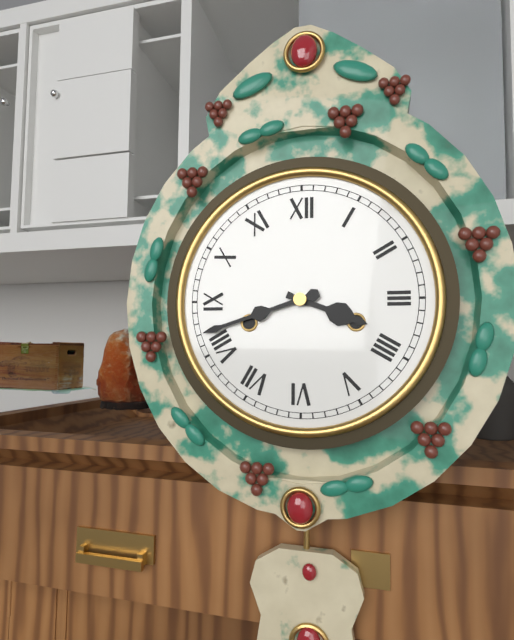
{"hour": 3, "minute": 42}
